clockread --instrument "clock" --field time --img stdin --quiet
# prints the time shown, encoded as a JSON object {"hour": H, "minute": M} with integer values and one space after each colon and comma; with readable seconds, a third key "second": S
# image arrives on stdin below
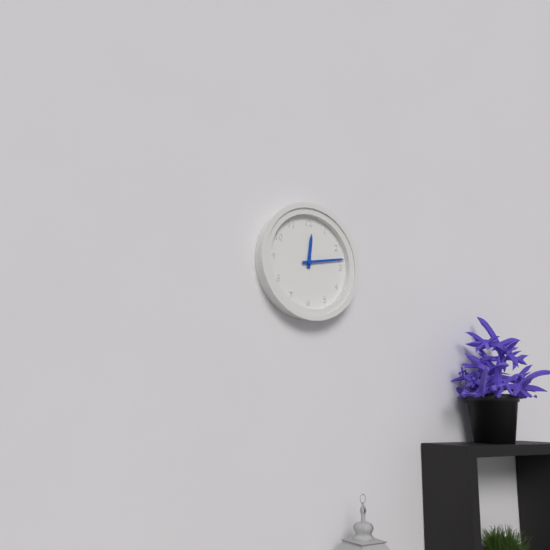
{"hour": 12, "minute": 13}
